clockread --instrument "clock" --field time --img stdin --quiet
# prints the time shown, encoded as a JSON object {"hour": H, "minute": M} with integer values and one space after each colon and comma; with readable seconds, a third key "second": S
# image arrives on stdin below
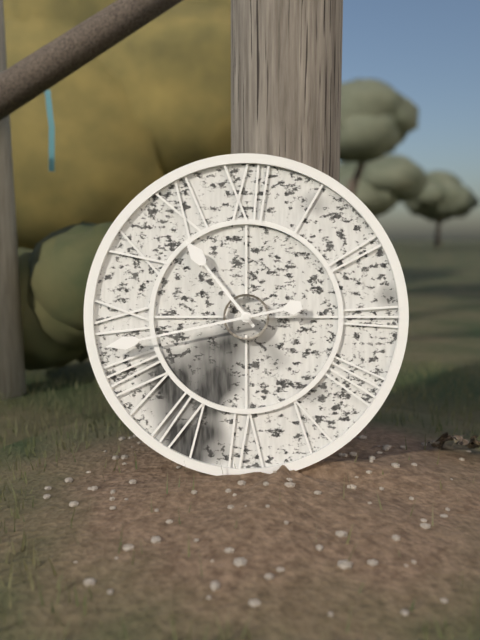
{"hour": 10, "minute": 43}
